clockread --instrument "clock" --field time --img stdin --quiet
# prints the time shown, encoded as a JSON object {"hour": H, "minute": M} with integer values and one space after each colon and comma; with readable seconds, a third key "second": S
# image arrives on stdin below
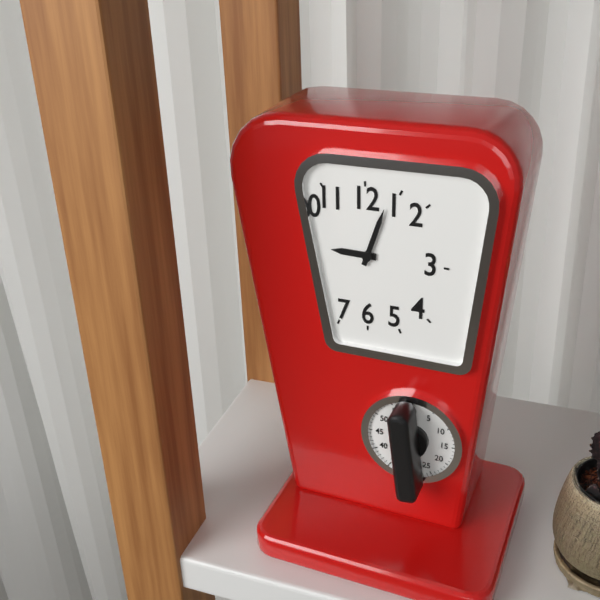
{"hour": 9, "minute": 3}
